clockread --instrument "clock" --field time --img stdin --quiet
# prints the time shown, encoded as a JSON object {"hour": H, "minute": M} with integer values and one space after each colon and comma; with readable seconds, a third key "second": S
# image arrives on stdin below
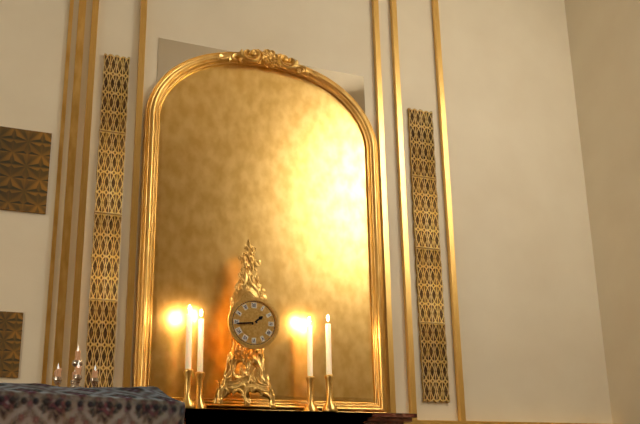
{"hour": 1, "minute": 44}
